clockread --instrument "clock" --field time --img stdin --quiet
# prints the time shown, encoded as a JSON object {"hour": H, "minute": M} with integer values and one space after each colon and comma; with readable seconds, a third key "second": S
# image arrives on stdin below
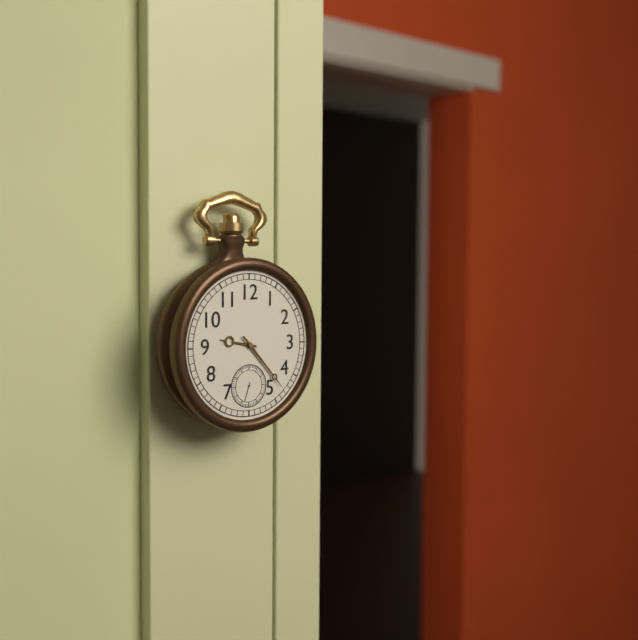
{"hour": 9, "minute": 23}
